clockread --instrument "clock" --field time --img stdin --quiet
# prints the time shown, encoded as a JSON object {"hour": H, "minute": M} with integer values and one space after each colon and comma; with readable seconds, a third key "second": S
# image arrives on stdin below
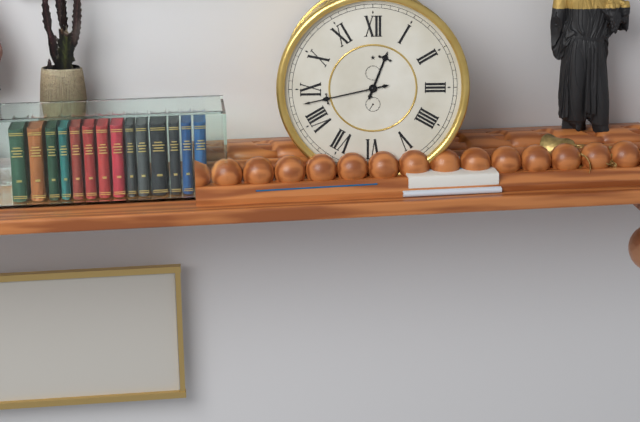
{"hour": 12, "minute": 43}
